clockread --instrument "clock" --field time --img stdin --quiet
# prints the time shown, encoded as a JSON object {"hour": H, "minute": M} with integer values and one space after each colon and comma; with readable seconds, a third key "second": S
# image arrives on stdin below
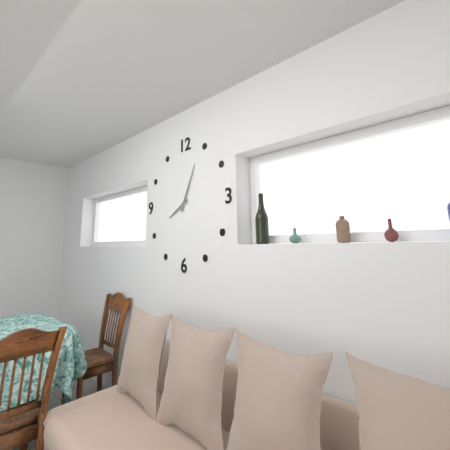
{"hour": 8, "minute": 4}
